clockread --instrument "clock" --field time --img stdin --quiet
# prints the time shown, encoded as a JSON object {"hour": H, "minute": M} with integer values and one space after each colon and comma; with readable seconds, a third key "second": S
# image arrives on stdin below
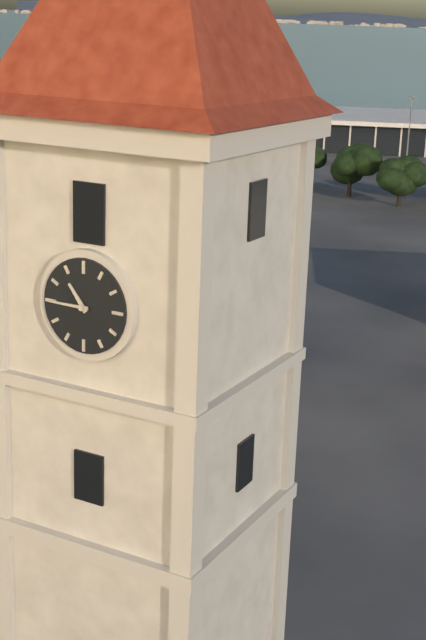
{"hour": 10, "minute": 45}
